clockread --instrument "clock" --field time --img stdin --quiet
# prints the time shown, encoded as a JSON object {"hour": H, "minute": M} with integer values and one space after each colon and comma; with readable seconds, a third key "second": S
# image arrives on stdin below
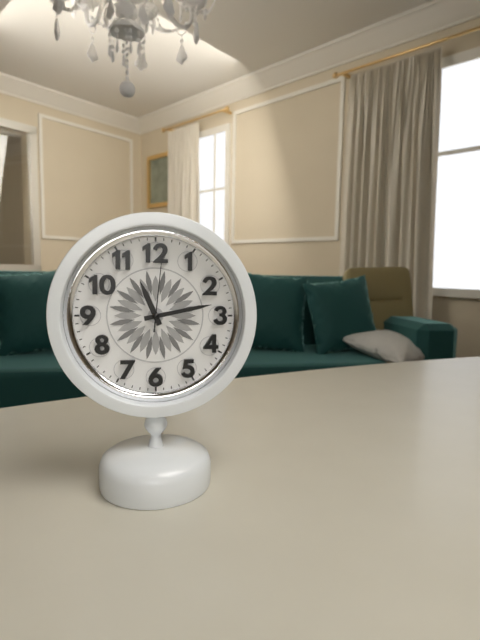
{"hour": 11, "minute": 13, "second": 1}
